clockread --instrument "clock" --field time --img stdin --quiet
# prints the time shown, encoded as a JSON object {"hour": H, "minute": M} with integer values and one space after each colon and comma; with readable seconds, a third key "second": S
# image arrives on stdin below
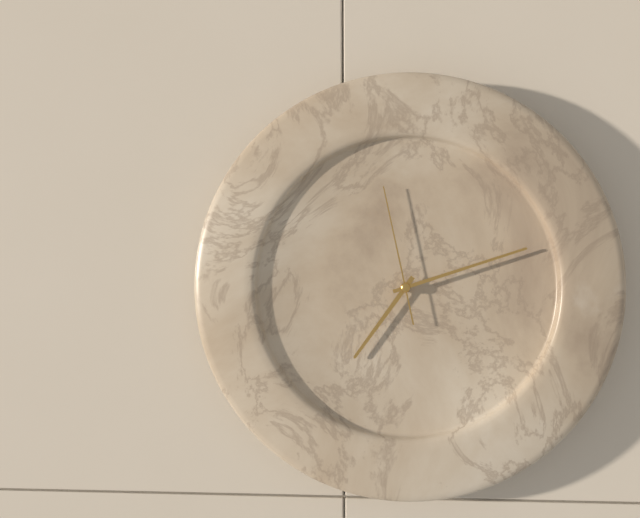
{"hour": 7, "minute": 12, "second": 58}
